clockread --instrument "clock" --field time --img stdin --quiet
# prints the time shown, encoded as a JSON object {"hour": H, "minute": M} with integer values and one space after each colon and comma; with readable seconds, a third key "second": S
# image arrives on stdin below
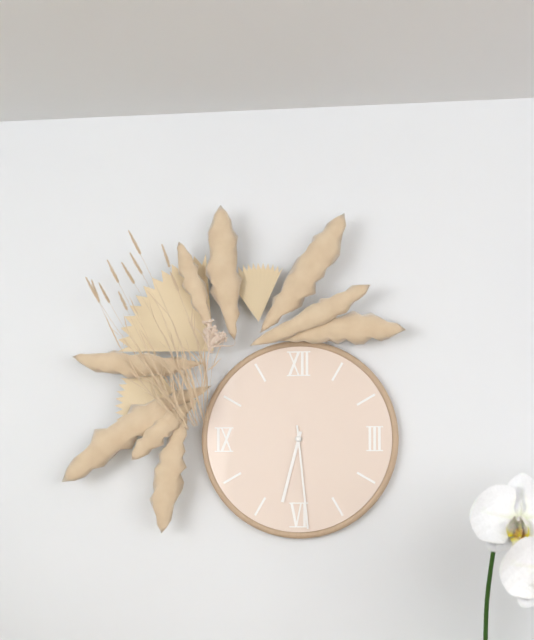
{"hour": 6, "minute": 29}
